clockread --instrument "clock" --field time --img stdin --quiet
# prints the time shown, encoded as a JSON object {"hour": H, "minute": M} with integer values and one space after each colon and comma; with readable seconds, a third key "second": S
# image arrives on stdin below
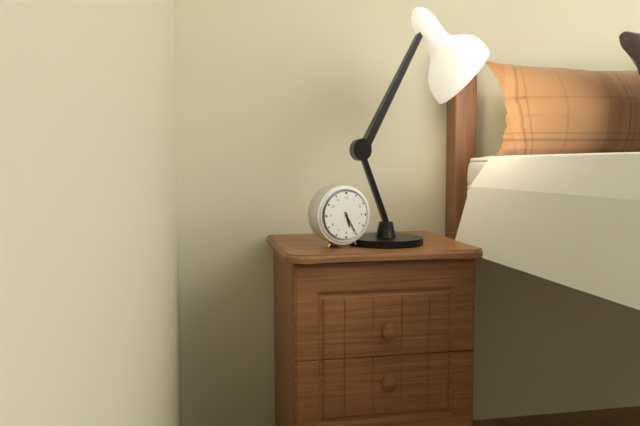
{"hour": 5, "minute": 25}
